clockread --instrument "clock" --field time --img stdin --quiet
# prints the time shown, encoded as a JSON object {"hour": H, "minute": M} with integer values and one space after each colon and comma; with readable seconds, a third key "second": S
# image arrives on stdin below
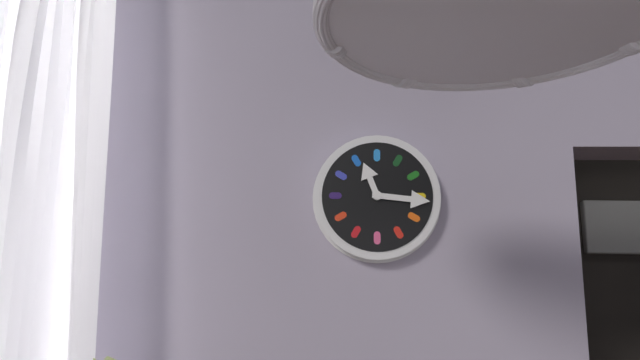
{"hour": 11, "minute": 16}
